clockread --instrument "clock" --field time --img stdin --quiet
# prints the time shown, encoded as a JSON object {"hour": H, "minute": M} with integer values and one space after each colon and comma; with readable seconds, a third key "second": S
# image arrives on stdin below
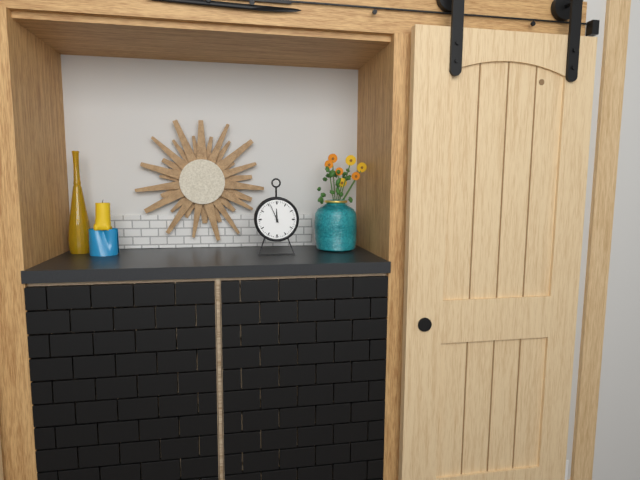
{"hour": 11, "minute": 56}
